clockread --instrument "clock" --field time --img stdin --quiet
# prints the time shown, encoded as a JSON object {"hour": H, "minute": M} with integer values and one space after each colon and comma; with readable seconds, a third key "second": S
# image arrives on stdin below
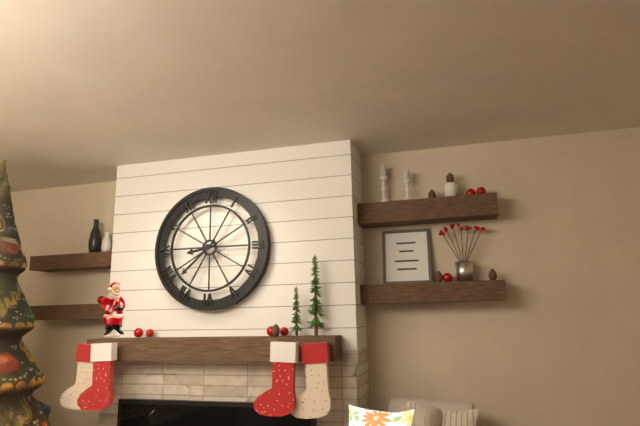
{"hour": 8, "minute": 38}
